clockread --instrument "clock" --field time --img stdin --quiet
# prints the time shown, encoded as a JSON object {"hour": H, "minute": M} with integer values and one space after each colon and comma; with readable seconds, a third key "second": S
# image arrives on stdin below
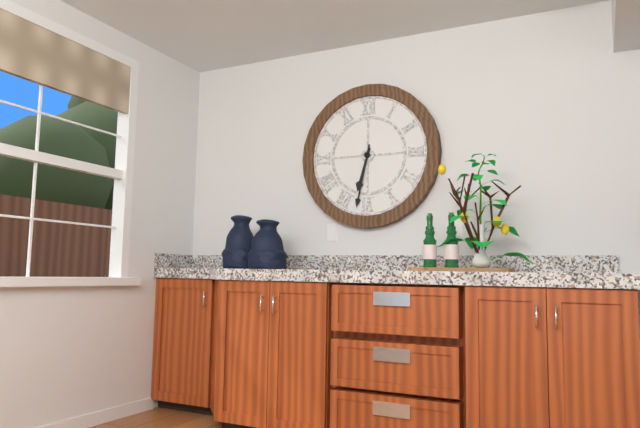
{"hour": 6, "minute": 32}
